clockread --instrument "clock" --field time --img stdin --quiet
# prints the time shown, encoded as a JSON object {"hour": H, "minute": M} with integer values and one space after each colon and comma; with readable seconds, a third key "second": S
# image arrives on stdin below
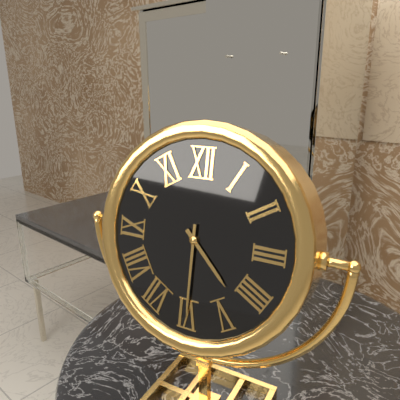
{"hour": 4, "minute": 30}
